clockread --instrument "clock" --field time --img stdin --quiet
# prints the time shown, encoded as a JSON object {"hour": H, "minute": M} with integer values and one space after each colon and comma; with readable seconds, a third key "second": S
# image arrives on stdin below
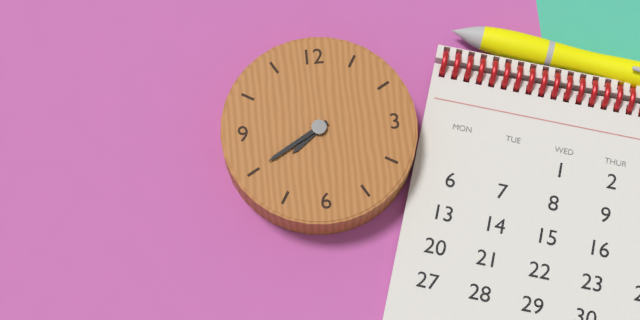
{"hour": 7, "minute": 40}
